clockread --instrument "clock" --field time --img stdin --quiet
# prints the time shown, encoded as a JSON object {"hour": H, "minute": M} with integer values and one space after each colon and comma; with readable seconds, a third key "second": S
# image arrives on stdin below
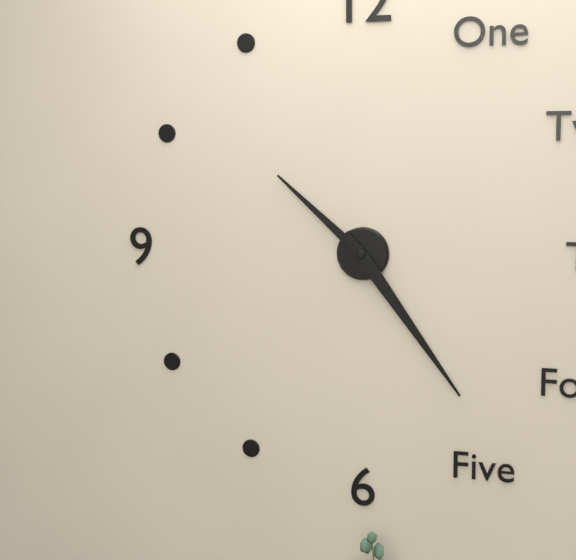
{"hour": 10, "minute": 24}
